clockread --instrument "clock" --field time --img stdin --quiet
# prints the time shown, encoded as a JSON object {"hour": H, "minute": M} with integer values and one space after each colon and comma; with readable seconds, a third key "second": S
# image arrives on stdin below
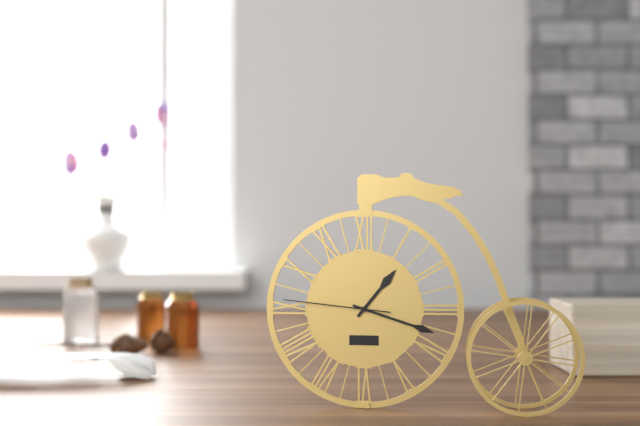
{"hour": 1, "minute": 18, "second": 46}
